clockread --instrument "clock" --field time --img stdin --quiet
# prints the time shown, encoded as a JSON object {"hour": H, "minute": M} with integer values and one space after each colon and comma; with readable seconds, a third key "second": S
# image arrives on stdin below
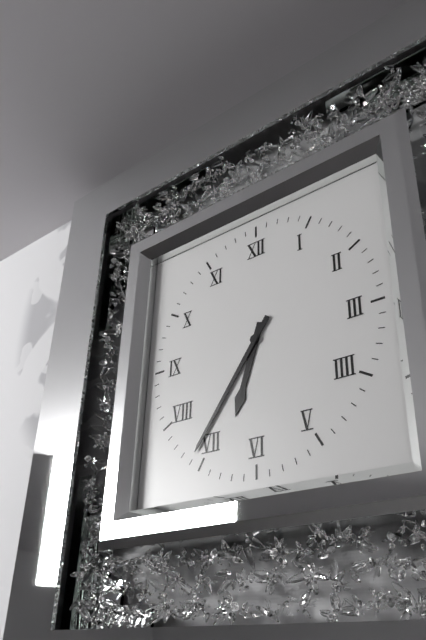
{"hour": 6, "minute": 36}
